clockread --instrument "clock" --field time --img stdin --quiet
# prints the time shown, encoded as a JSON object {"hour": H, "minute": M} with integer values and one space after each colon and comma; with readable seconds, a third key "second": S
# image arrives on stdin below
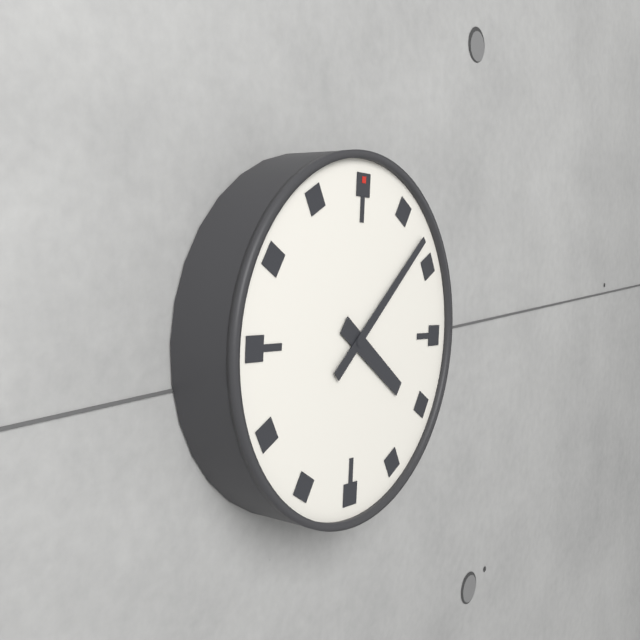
{"hour": 4, "minute": 8}
